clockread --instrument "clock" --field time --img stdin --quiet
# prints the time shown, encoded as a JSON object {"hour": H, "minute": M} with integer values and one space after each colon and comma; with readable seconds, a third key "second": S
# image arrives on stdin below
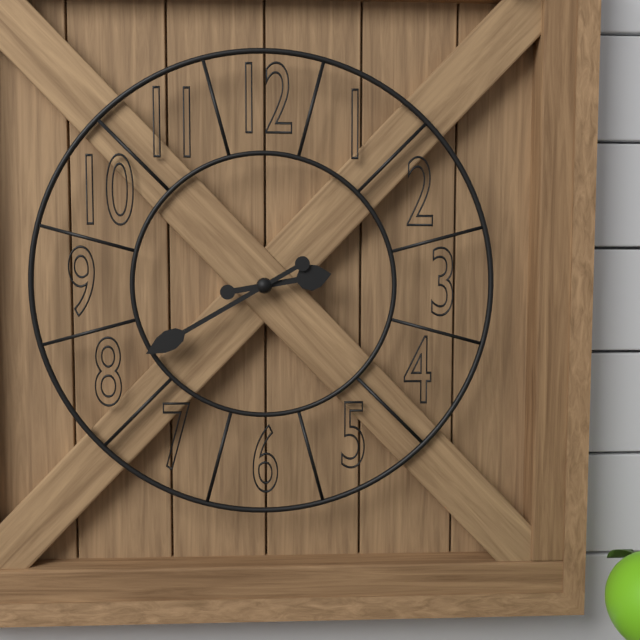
{"hour": 2, "minute": 40}
